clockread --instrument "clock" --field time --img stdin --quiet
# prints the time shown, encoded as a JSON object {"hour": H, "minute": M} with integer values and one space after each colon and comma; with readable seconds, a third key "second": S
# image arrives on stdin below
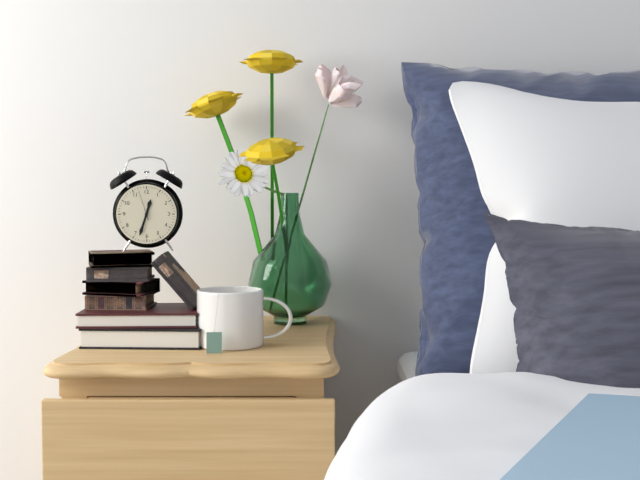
{"hour": 12, "minute": 33}
